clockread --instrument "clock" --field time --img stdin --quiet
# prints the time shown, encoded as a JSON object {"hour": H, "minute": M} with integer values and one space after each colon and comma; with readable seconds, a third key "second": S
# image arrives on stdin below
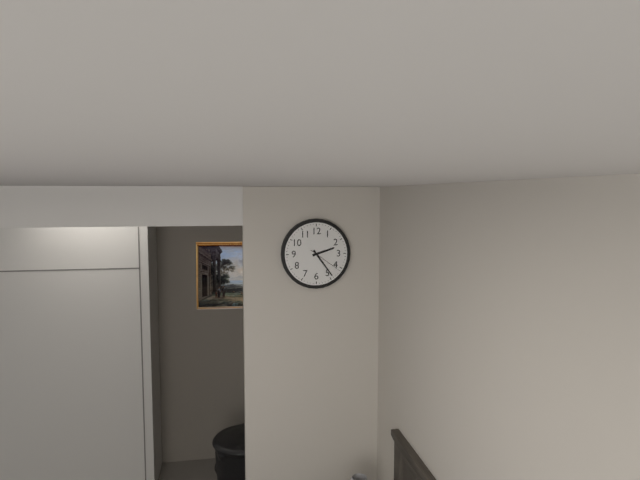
{"hour": 2, "minute": 24}
